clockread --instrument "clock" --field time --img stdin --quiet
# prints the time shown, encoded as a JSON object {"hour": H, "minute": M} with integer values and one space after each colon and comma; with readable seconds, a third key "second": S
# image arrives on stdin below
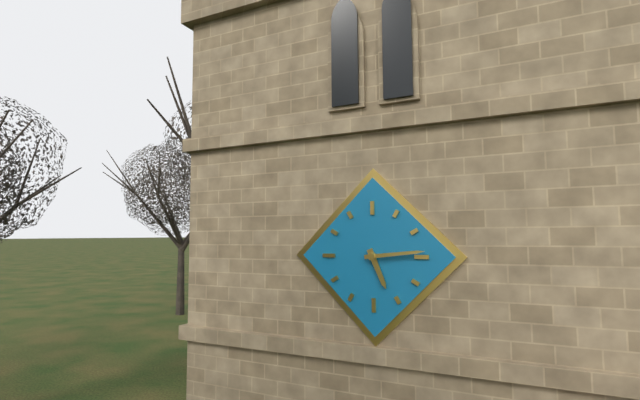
{"hour": 5, "minute": 14}
